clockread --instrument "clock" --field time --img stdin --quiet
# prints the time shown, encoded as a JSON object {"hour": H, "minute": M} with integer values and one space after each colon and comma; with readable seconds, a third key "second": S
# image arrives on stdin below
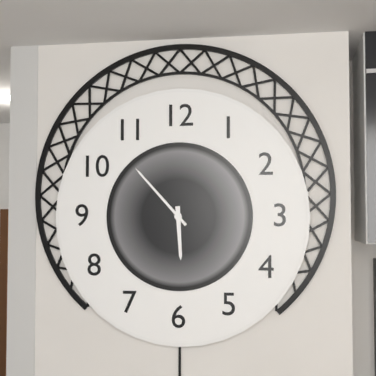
{"hour": 5, "minute": 53}
